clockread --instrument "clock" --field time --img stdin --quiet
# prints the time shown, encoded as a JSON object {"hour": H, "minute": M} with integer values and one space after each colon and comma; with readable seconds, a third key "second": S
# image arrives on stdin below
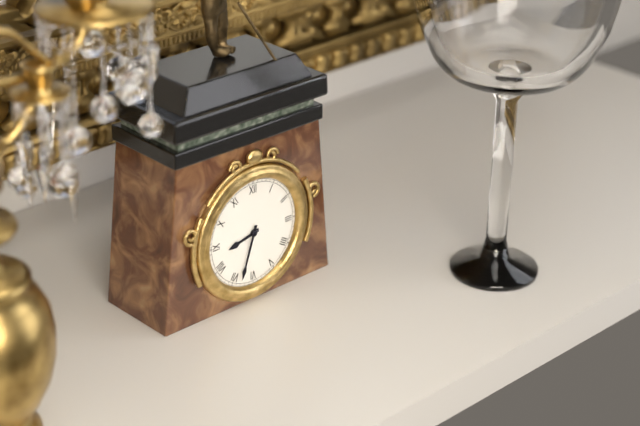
{"hour": 8, "minute": 33}
